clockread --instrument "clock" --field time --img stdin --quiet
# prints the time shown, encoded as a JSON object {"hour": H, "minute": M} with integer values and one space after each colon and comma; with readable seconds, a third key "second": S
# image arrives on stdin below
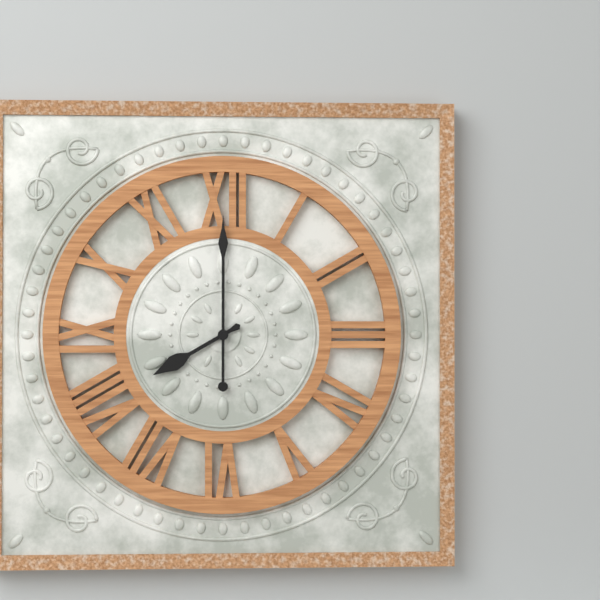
{"hour": 8, "minute": 0}
